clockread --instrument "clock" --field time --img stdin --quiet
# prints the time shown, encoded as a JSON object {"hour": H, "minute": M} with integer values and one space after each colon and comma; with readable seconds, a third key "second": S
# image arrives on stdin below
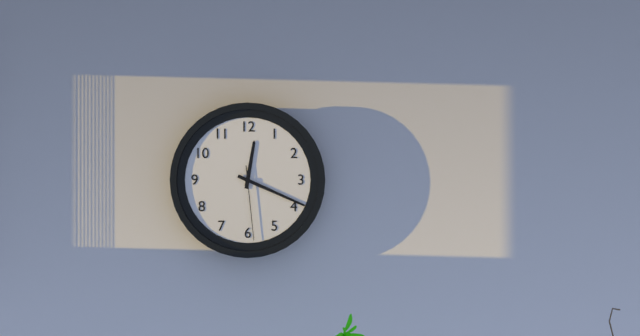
{"hour": 12, "minute": 19, "second": 29}
